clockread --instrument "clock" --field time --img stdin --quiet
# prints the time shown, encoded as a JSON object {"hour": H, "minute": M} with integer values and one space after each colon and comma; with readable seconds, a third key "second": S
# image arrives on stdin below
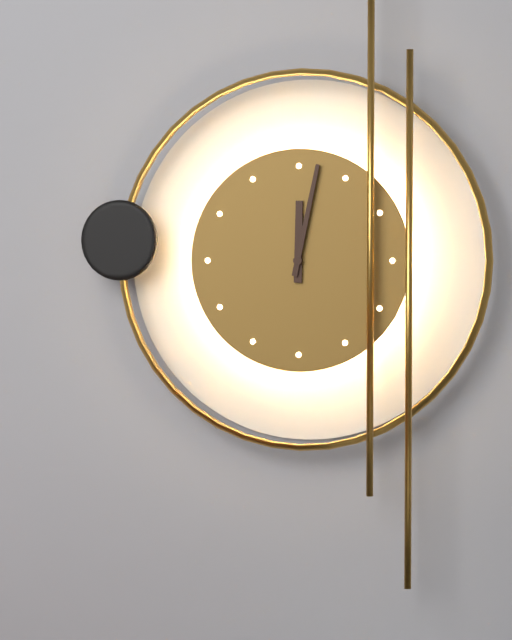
{"hour": 12, "minute": 2}
